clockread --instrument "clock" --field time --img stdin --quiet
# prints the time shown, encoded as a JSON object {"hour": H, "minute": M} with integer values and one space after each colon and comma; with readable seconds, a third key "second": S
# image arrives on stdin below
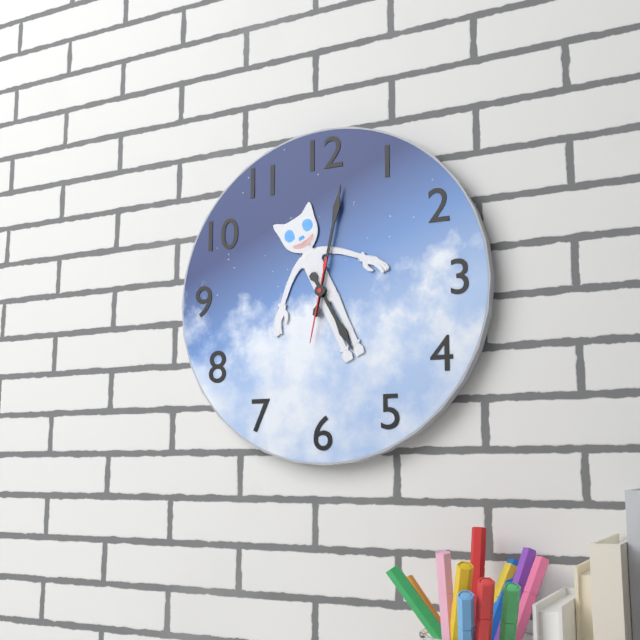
{"hour": 5, "minute": 2, "second": 32}
